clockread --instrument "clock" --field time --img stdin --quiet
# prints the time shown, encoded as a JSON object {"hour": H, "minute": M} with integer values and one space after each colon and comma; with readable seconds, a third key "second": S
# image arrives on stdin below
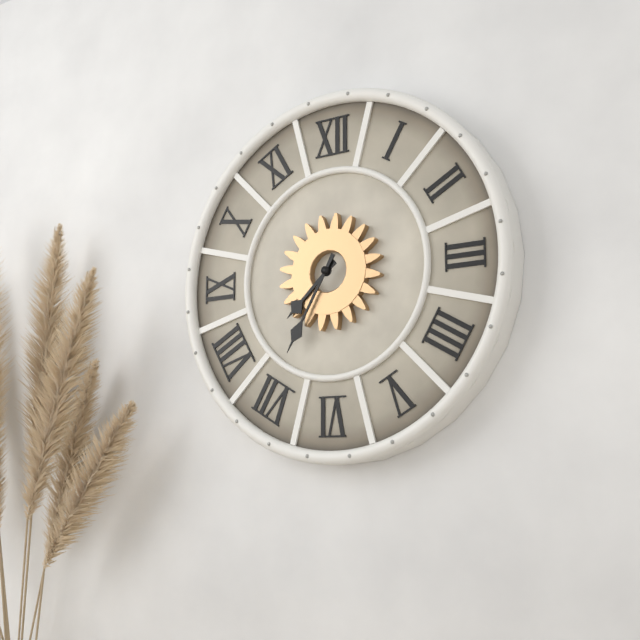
{"hour": 7, "minute": 35}
